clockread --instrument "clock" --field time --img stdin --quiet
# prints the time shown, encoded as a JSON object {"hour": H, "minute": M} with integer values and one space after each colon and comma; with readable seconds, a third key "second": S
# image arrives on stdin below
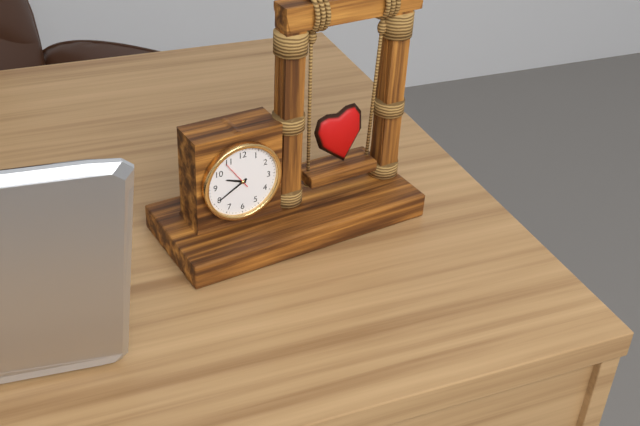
{"hour": 9, "minute": 40}
